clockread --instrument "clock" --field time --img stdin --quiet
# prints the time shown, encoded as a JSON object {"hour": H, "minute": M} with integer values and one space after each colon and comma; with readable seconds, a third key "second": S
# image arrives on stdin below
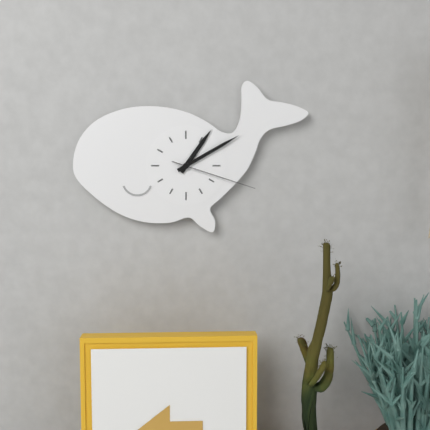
{"hour": 1, "minute": 10, "second": 18}
